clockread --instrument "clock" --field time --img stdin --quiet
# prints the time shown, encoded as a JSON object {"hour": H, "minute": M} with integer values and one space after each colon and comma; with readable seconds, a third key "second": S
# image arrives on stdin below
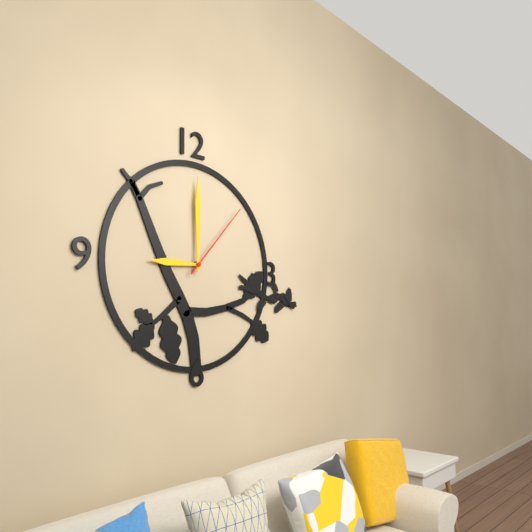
{"hour": 9, "minute": 0, "second": 7}
